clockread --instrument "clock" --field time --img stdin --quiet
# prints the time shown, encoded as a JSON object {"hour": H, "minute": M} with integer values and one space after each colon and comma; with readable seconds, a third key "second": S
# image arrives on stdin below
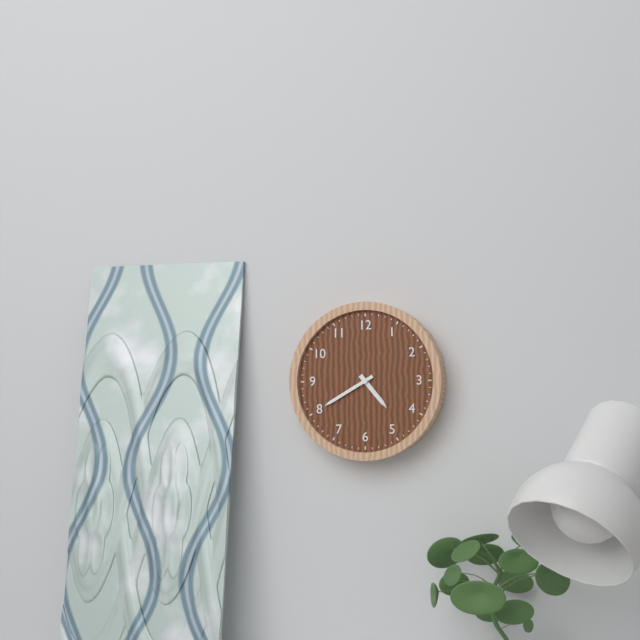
{"hour": 4, "minute": 40}
